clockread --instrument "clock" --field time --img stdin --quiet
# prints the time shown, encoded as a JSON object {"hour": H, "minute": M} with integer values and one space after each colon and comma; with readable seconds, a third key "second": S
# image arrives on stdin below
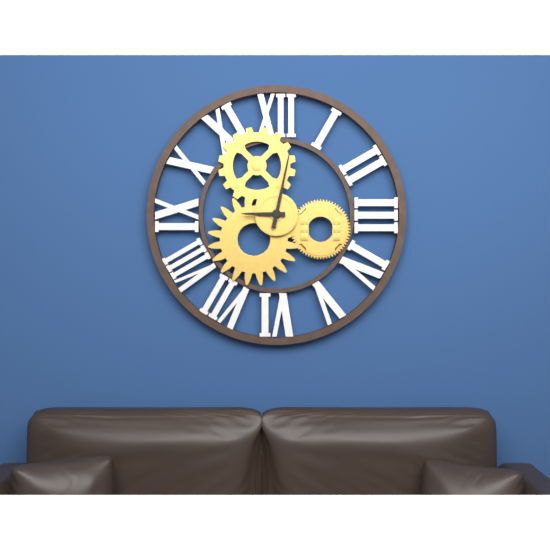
{"hour": 9, "minute": 2}
